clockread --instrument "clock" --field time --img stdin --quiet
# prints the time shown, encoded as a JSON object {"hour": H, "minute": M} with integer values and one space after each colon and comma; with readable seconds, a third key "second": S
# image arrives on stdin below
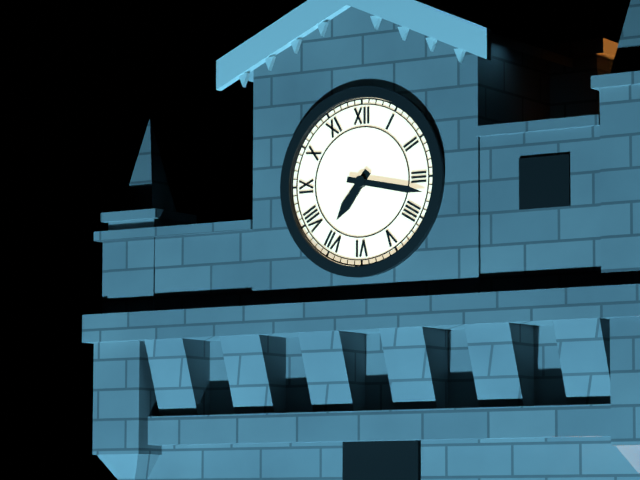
{"hour": 7, "minute": 17}
